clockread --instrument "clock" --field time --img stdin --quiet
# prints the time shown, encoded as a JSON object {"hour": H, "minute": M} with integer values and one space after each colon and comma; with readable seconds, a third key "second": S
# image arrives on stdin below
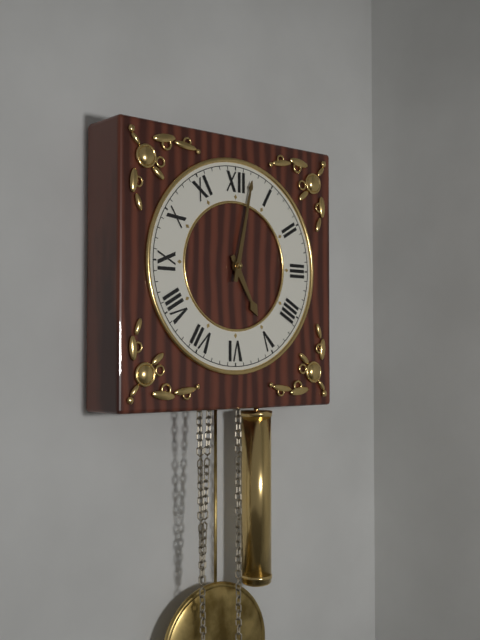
{"hour": 5, "minute": 2}
